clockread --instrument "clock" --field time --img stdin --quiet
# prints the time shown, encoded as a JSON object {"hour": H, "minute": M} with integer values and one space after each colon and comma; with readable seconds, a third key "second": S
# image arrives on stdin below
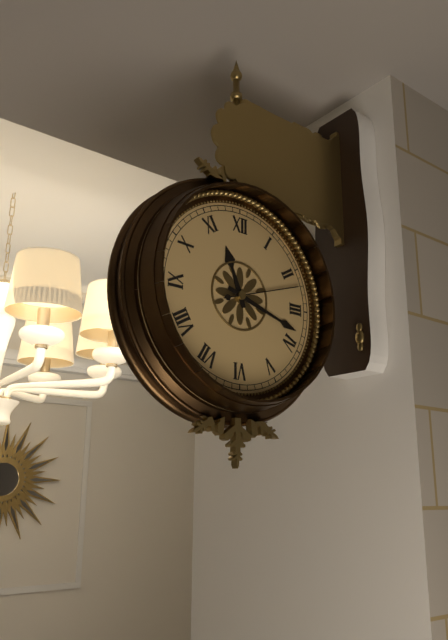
{"hour": 11, "minute": 18, "second": 12}
